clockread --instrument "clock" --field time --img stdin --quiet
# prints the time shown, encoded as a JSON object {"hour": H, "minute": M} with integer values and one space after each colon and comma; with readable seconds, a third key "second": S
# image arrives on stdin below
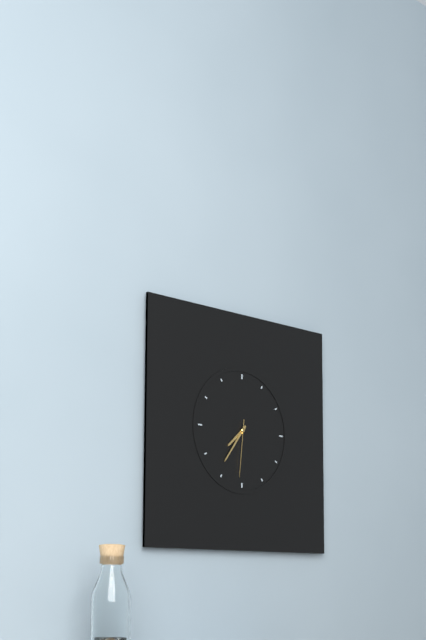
{"hour": 7, "minute": 36, "second": 31}
